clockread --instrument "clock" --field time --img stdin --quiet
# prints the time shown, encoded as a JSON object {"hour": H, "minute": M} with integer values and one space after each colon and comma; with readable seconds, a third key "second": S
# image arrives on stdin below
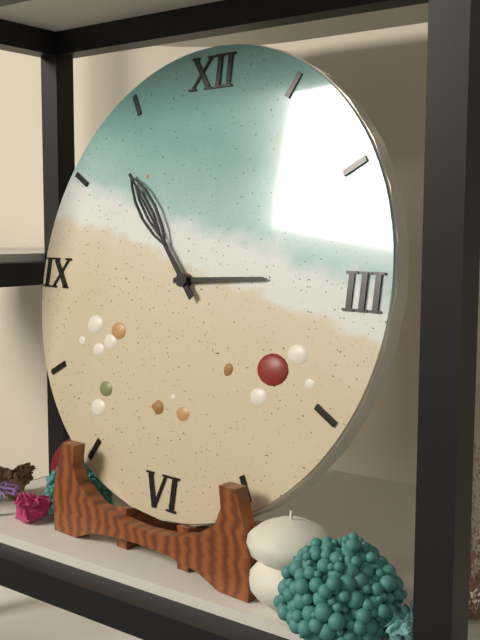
{"hour": 2, "minute": 53}
